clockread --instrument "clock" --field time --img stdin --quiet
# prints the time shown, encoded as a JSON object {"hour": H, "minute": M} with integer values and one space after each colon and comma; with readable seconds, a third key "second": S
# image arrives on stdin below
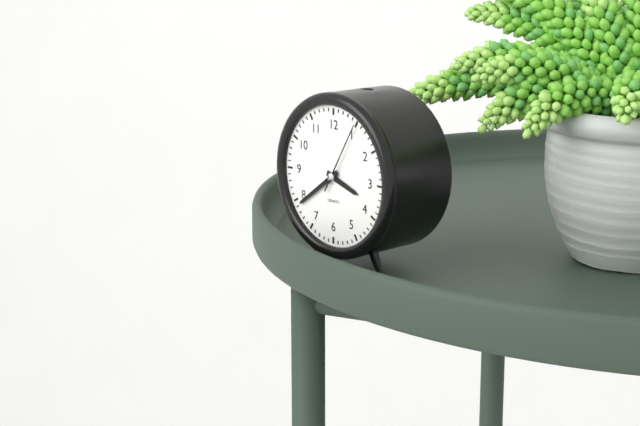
{"hour": 3, "minute": 39, "second": 5}
